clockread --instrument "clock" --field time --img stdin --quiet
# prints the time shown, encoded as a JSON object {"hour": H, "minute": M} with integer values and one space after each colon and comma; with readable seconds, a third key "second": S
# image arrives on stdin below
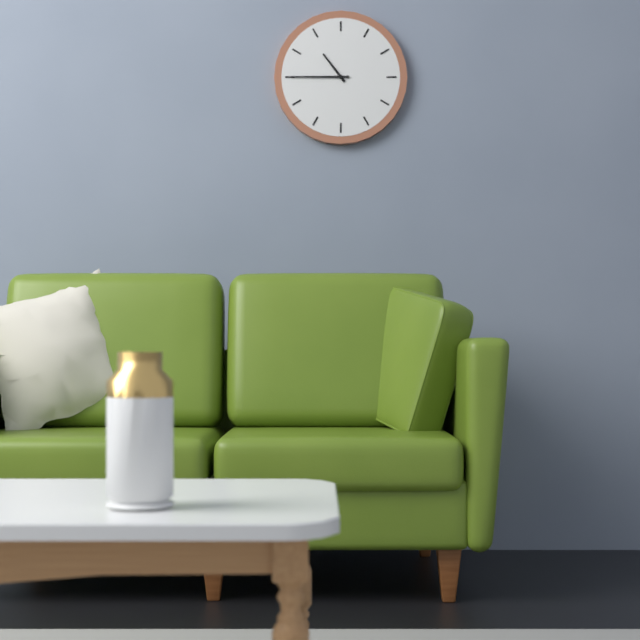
{"hour": 10, "minute": 45}
